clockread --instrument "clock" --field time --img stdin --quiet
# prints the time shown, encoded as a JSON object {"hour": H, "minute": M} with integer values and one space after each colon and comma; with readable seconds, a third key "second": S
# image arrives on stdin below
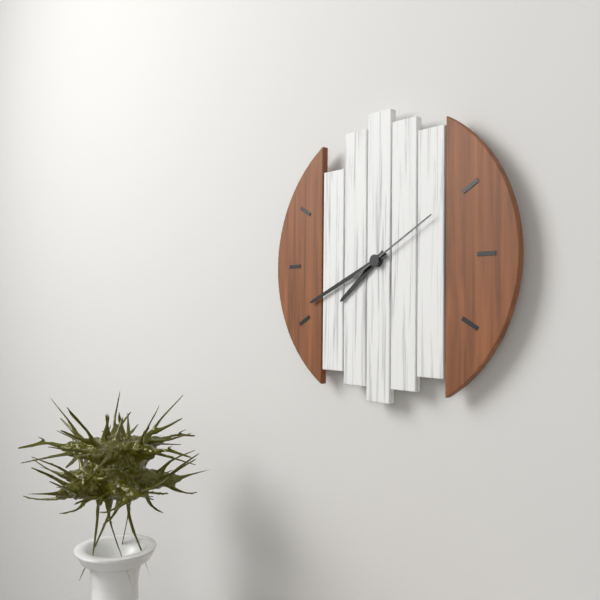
{"hour": 7, "minute": 41, "second": 10}
